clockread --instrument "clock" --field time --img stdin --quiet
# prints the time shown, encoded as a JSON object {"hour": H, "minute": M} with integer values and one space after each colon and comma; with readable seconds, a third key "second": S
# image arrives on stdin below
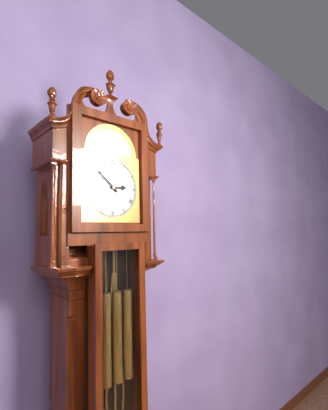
{"hour": 2, "minute": 52}
